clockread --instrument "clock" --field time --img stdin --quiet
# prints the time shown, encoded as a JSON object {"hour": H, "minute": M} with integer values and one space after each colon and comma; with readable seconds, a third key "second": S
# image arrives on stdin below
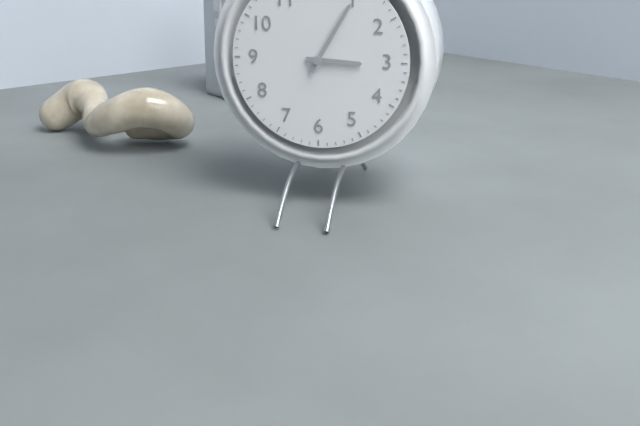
{"hour": 3, "minute": 5}
